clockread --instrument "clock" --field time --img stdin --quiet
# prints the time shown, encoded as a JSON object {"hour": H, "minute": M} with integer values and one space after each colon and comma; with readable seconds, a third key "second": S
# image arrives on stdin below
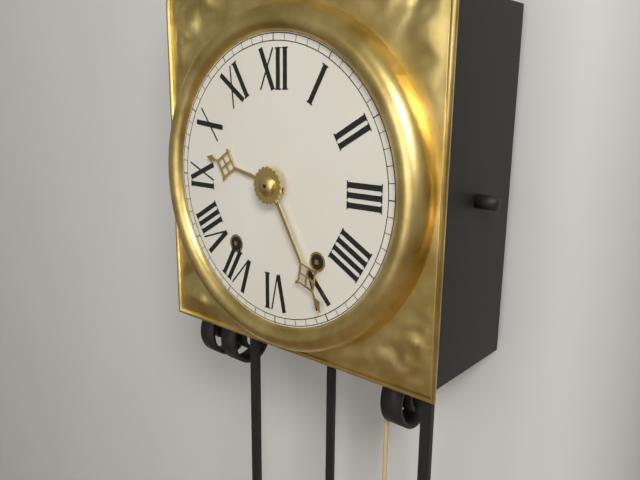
{"hour": 9, "minute": 25}
